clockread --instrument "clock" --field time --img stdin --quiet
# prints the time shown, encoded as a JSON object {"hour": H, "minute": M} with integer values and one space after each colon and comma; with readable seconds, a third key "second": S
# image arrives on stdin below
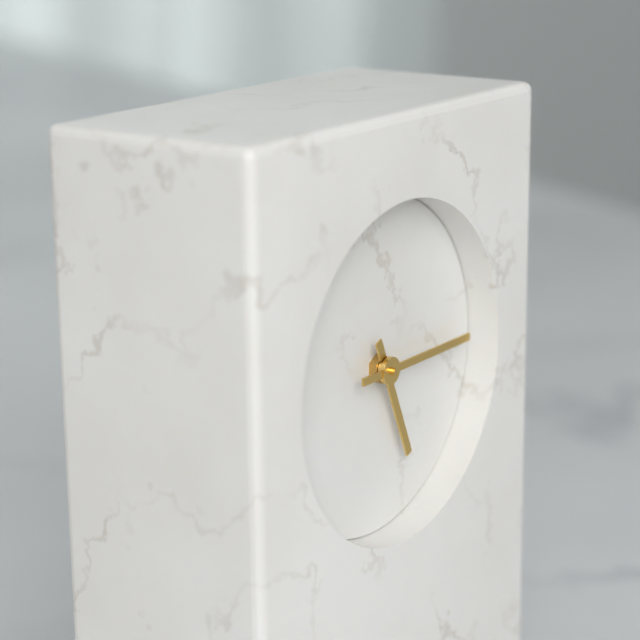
{"hour": 5, "minute": 15}
